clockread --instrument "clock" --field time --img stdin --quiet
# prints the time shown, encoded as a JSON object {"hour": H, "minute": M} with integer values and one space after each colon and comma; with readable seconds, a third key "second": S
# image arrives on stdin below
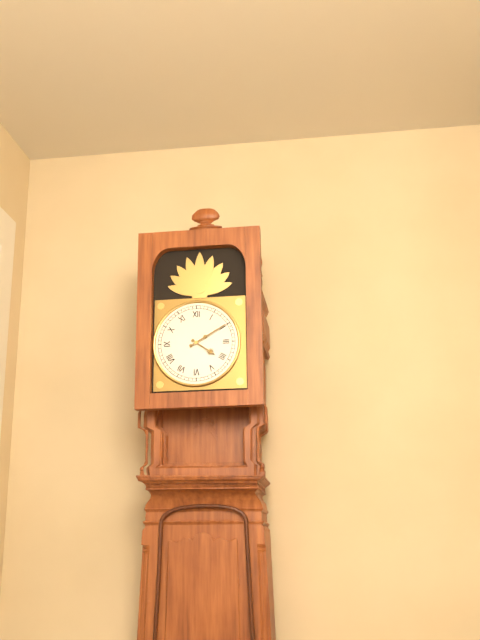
{"hour": 4, "minute": 10}
